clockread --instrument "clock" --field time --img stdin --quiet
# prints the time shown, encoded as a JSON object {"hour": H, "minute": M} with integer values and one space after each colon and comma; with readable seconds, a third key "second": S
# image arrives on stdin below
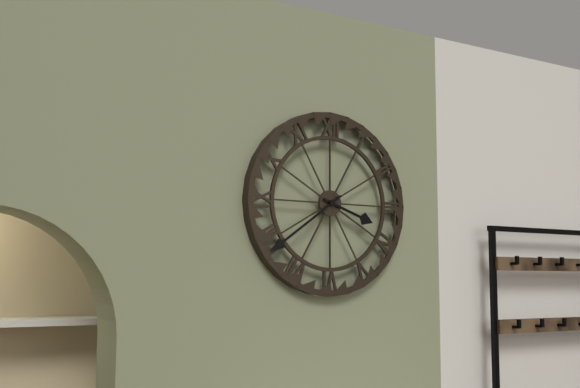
{"hour": 3, "minute": 39}
